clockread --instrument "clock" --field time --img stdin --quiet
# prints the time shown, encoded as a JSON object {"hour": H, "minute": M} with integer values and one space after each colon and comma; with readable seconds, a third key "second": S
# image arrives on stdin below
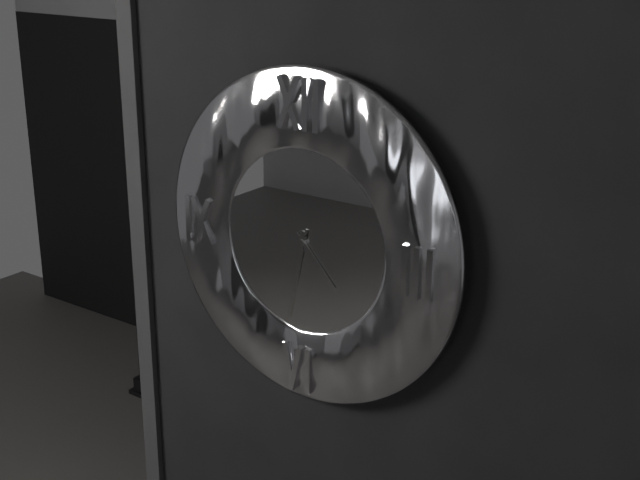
{"hour": 4, "minute": 32}
